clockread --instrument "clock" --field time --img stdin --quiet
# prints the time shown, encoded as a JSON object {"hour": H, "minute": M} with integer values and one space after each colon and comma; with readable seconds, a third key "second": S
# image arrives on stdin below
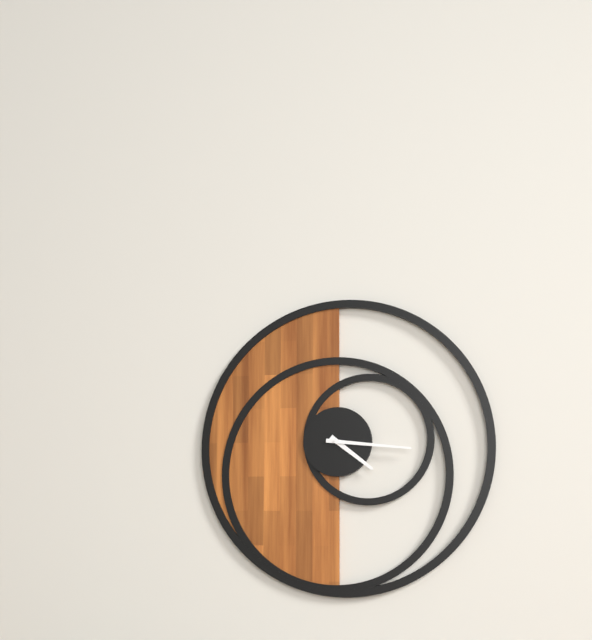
{"hour": 4, "minute": 16}
